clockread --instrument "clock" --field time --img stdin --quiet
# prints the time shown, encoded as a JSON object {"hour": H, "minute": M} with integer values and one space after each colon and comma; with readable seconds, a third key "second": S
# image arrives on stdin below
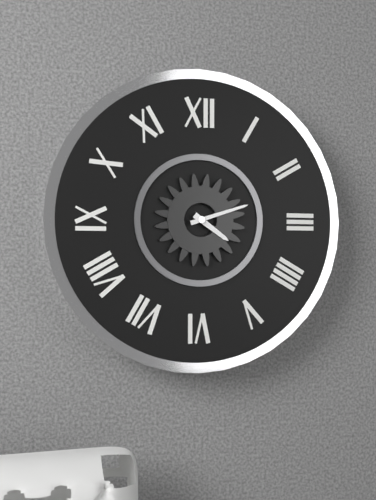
{"hour": 4, "minute": 12}
